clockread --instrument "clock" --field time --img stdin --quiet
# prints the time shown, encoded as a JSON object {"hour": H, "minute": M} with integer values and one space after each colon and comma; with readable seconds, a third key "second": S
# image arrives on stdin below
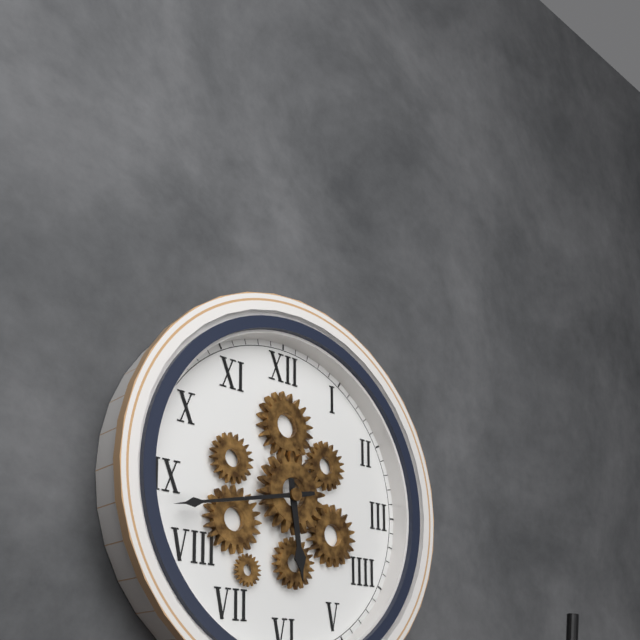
{"hour": 5, "minute": 43}
